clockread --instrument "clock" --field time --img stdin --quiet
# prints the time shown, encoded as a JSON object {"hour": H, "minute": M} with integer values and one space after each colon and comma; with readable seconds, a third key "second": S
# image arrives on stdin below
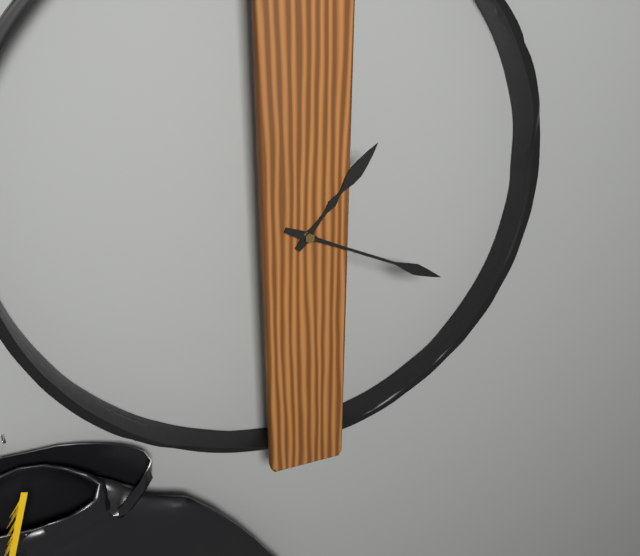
{"hour": 1, "minute": 19}
